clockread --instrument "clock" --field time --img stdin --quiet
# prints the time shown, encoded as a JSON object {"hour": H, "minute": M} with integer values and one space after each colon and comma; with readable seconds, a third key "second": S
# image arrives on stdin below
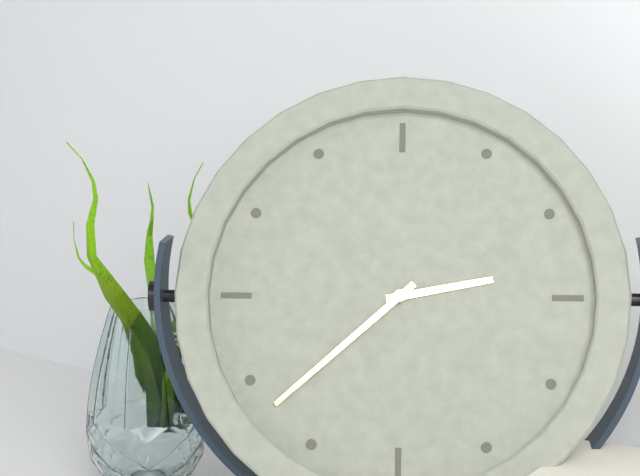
{"hour": 2, "minute": 38}
